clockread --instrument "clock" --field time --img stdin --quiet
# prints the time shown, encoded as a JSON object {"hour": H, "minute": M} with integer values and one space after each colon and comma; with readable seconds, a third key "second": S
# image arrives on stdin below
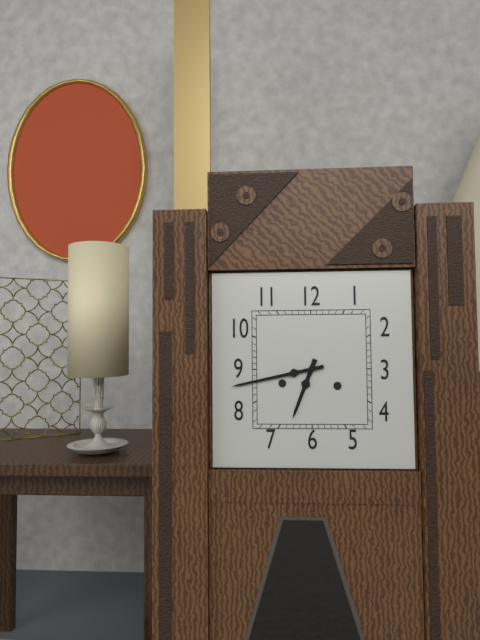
{"hour": 6, "minute": 43}
